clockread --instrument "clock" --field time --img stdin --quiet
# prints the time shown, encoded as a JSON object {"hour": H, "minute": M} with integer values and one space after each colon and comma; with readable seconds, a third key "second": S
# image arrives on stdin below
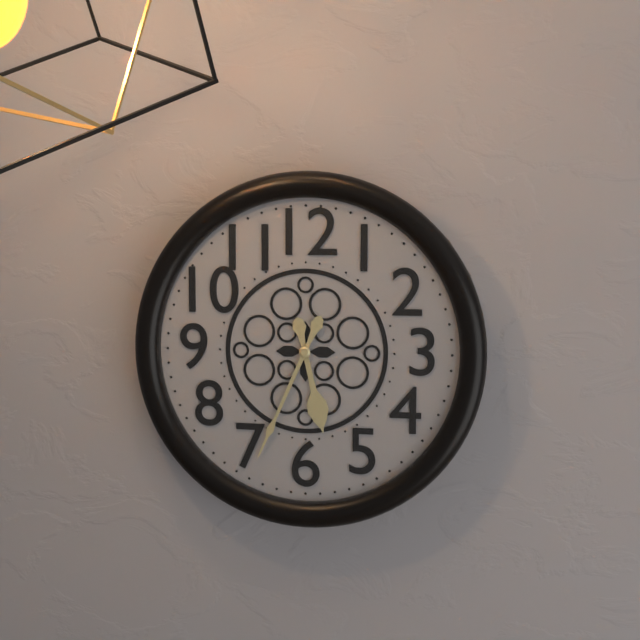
{"hour": 5, "minute": 34}
